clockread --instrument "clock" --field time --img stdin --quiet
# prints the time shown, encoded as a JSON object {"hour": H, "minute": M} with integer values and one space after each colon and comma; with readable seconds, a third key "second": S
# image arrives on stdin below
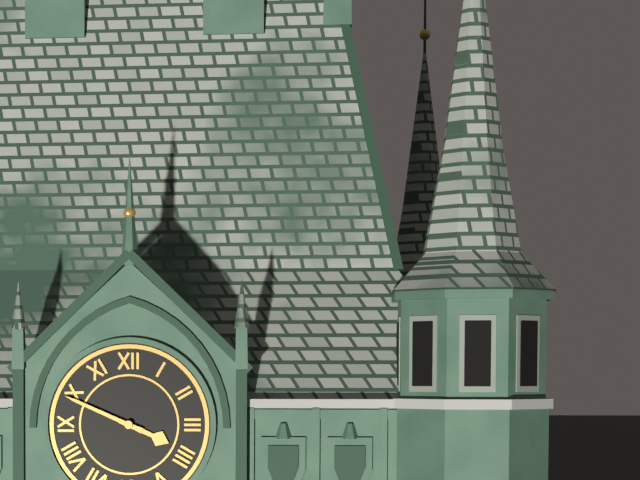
{"hour": 3, "minute": 49}
